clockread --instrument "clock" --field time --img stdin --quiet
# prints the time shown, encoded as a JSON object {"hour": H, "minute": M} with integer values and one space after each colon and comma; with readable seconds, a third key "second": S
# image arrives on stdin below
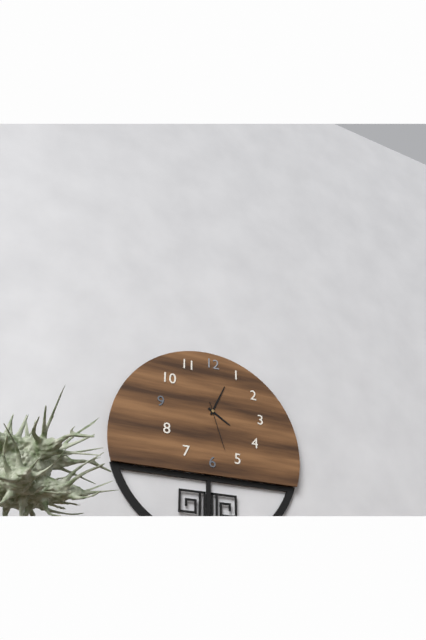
{"hour": 4, "minute": 4, "second": 27}
